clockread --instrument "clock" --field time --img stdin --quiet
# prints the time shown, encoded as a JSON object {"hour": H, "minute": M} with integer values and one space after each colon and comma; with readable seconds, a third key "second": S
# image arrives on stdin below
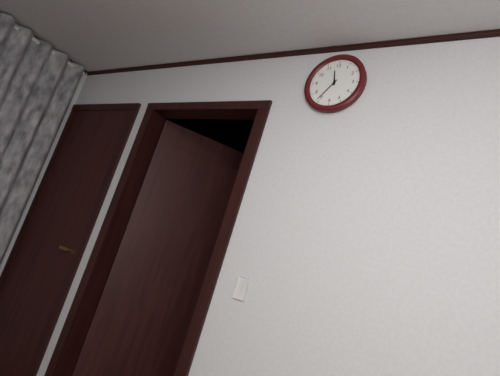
{"hour": 11, "minute": 36}
